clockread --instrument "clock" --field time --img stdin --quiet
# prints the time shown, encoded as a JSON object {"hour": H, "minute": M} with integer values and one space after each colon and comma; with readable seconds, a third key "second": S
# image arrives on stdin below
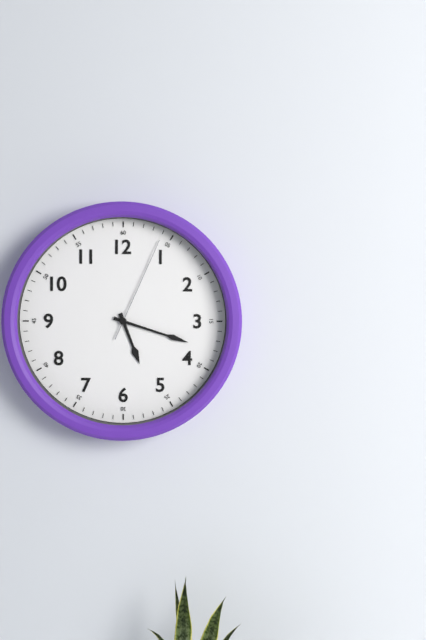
{"hour": 5, "minute": 18, "second": 4}
